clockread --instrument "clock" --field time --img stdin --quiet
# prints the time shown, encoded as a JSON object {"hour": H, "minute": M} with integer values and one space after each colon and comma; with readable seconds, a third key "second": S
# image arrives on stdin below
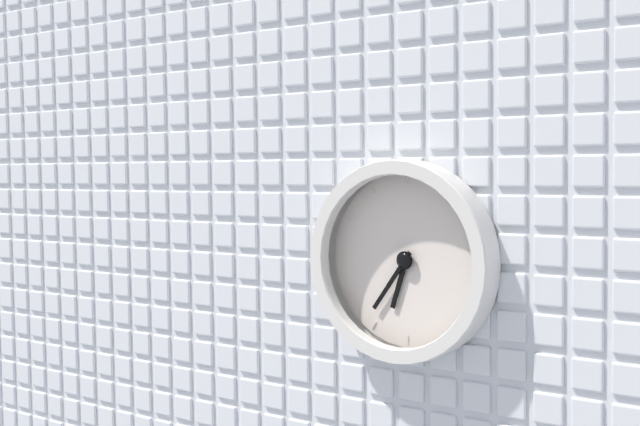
{"hour": 6, "minute": 36}
